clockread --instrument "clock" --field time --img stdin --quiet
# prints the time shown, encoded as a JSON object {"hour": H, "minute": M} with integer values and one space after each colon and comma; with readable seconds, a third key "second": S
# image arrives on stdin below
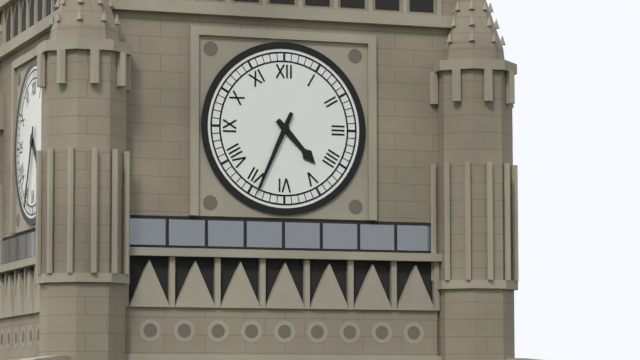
{"hour": 4, "minute": 34}
